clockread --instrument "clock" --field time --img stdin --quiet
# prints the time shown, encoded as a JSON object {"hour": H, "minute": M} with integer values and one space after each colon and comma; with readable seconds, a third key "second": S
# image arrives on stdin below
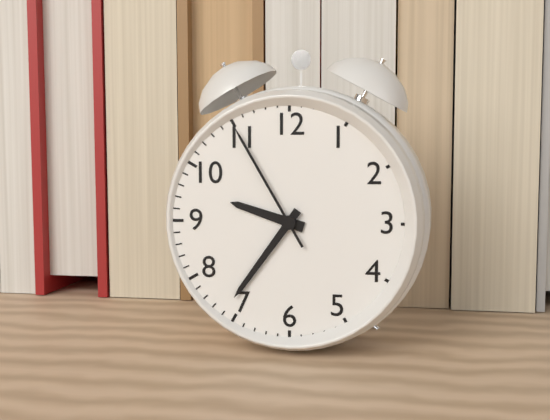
{"hour": 9, "minute": 36, "second": 55}
